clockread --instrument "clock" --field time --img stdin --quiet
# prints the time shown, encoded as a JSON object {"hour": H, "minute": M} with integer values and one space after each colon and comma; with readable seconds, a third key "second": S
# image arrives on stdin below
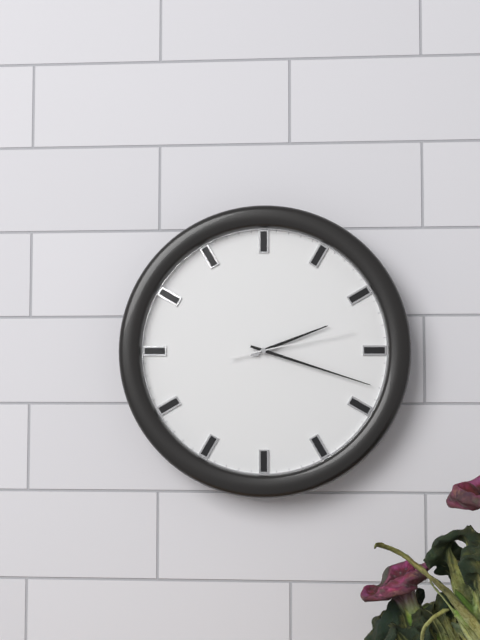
{"hour": 2, "minute": 18, "second": 13}
